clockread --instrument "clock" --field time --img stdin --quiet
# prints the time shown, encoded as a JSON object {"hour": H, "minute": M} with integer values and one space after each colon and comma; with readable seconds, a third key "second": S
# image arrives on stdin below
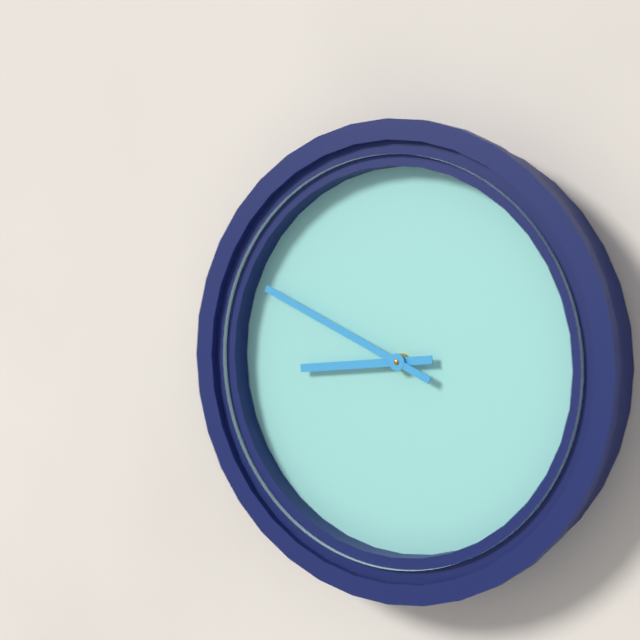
{"hour": 8, "minute": 49}
